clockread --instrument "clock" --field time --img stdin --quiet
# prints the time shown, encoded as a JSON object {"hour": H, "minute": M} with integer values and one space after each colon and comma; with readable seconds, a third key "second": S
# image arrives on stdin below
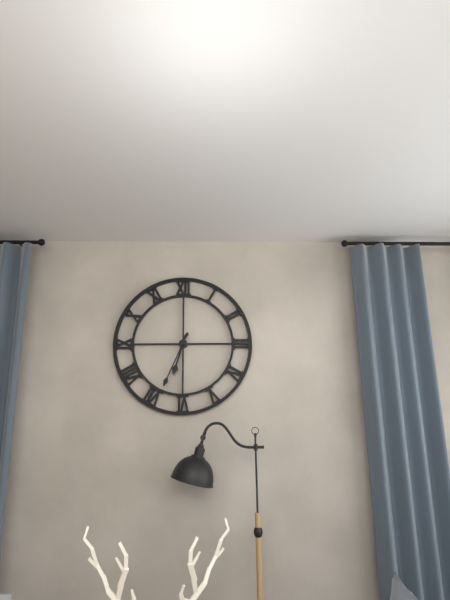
{"hour": 6, "minute": 34}
